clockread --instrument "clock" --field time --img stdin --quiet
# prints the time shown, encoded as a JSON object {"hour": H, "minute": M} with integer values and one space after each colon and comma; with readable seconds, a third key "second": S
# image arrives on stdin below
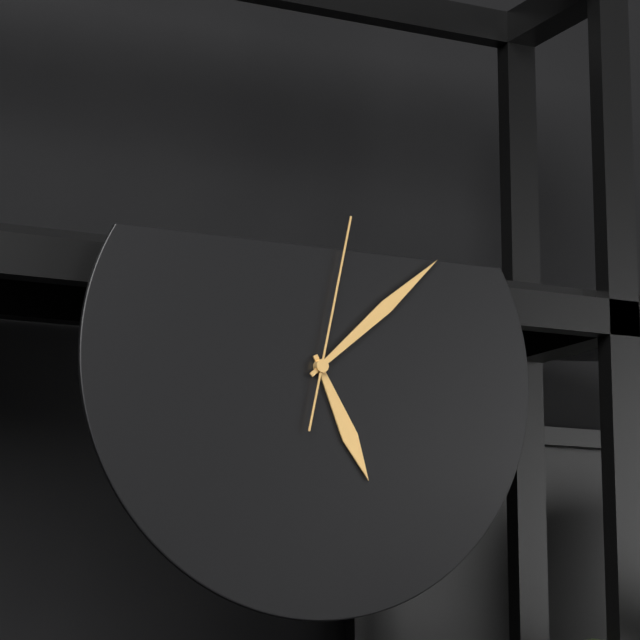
{"hour": 5, "minute": 8, "second": 2}
